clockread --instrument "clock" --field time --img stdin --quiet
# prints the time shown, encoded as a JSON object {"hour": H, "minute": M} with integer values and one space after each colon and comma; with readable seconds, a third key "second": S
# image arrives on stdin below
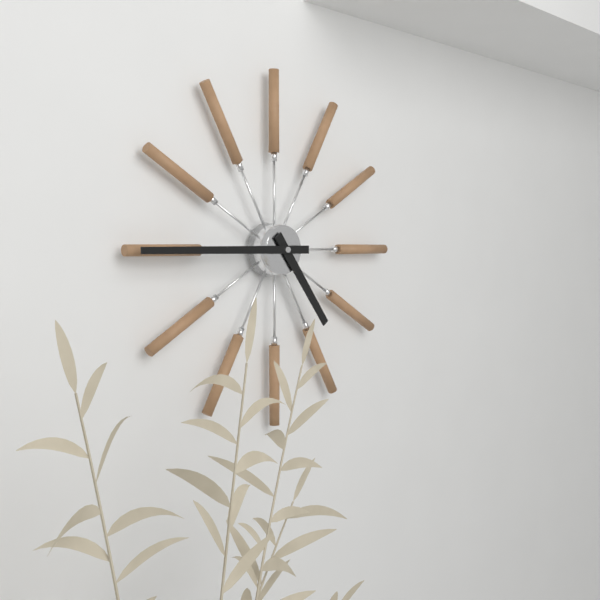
{"hour": 4, "minute": 45}
